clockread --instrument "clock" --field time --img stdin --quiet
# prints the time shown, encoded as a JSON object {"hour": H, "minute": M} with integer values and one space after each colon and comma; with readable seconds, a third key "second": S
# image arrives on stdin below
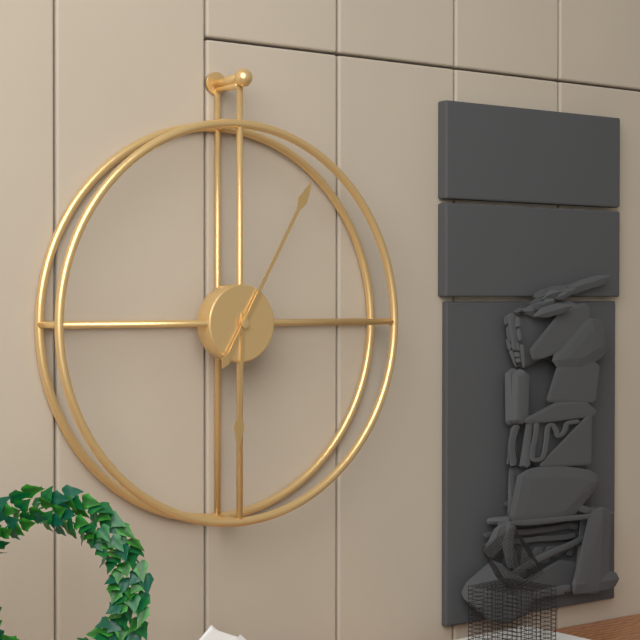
{"hour": 6, "minute": 5}
